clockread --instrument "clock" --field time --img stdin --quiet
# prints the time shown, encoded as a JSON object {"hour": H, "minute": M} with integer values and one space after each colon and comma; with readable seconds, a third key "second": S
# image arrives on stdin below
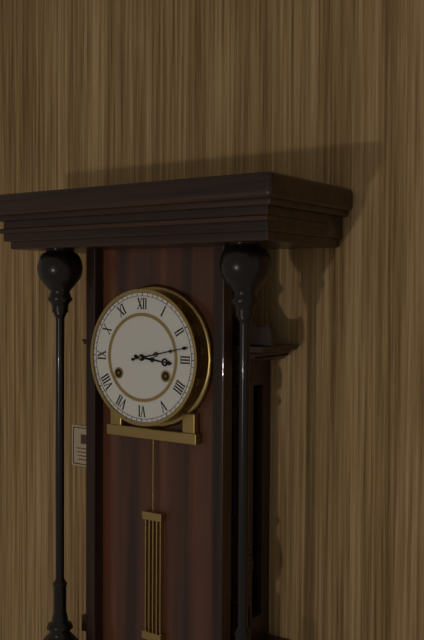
{"hour": 3, "minute": 13}
